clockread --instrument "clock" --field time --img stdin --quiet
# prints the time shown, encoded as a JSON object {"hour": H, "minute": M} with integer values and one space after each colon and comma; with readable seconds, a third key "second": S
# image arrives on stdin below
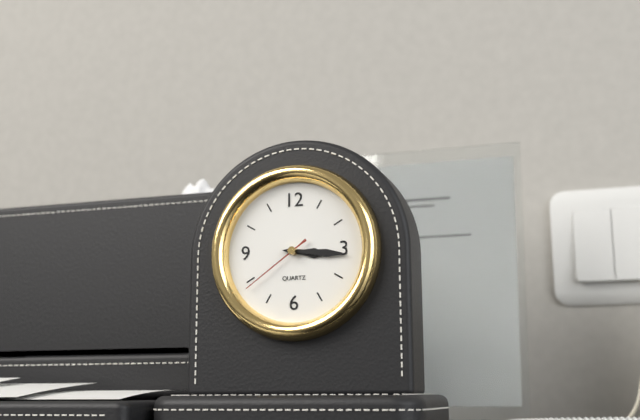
{"hour": 3, "minute": 16, "second": 39}
